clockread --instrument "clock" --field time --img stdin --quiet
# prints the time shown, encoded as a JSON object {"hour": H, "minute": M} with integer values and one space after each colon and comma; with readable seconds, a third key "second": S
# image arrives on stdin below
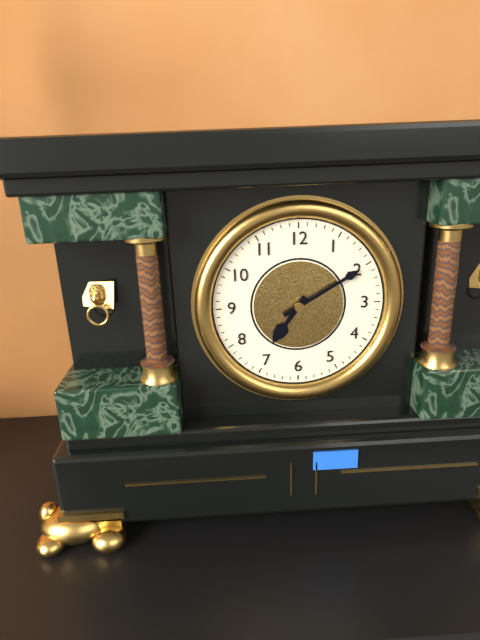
{"hour": 7, "minute": 10}
